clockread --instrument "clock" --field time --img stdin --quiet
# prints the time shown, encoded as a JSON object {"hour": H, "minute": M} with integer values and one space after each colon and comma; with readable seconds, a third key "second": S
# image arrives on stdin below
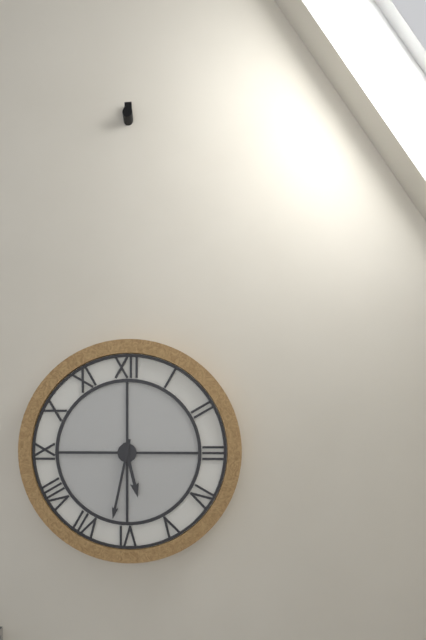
{"hour": 5, "minute": 32}
